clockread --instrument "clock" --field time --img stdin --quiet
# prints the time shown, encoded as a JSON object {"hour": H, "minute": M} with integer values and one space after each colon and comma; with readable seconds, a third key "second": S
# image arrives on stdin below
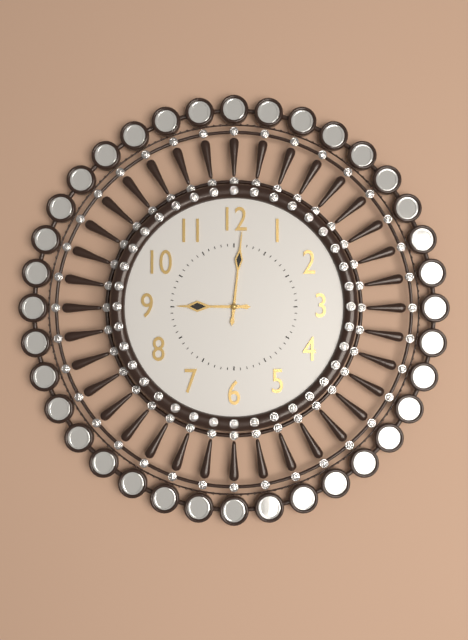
{"hour": 9, "minute": 1}
